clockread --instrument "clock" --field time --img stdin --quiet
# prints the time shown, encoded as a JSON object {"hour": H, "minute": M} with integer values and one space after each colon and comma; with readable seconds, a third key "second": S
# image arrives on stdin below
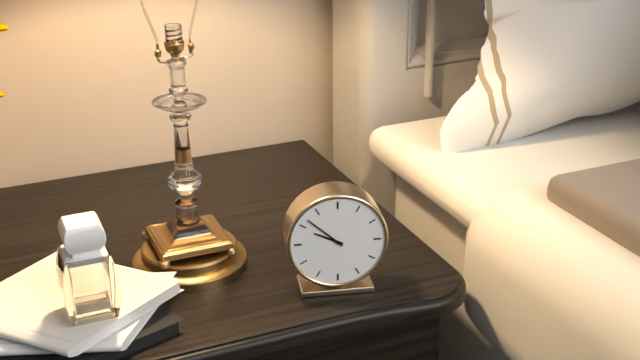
{"hour": 9, "minute": 52}
